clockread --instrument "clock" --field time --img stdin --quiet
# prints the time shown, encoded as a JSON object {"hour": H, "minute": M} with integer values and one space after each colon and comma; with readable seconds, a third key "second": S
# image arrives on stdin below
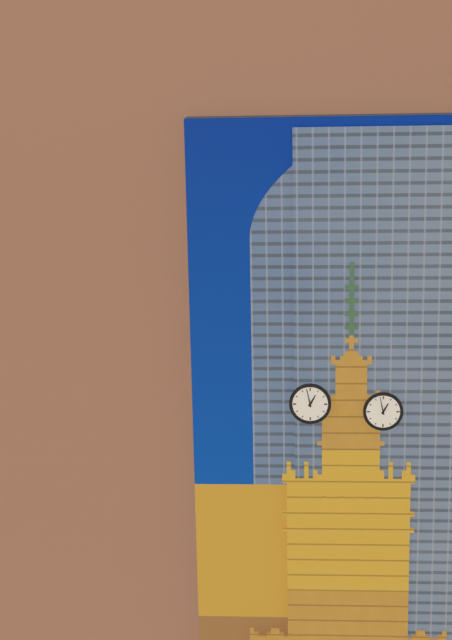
{"hour": 12, "minute": 58}
